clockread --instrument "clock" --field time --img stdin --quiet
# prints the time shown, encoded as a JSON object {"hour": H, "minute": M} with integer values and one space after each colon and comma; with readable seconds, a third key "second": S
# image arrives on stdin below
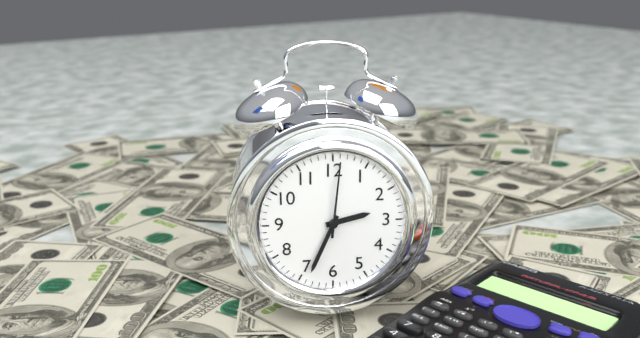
{"hour": 2, "minute": 34, "second": 1}
